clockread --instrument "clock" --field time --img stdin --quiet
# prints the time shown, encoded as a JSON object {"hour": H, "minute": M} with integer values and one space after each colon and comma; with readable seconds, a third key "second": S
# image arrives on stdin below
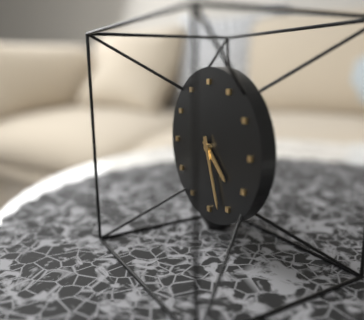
{"hour": 4, "minute": 27}
